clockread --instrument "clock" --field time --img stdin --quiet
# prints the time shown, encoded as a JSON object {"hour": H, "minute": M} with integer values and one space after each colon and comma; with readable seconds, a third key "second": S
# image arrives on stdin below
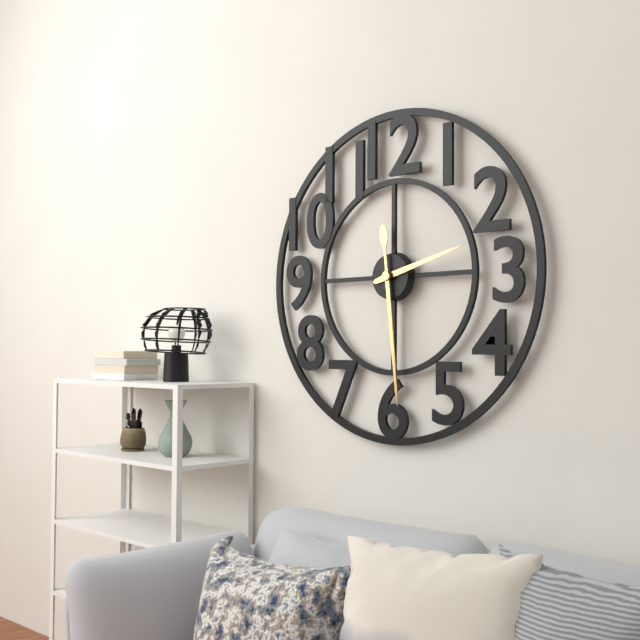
{"hour": 2, "minute": 29}
